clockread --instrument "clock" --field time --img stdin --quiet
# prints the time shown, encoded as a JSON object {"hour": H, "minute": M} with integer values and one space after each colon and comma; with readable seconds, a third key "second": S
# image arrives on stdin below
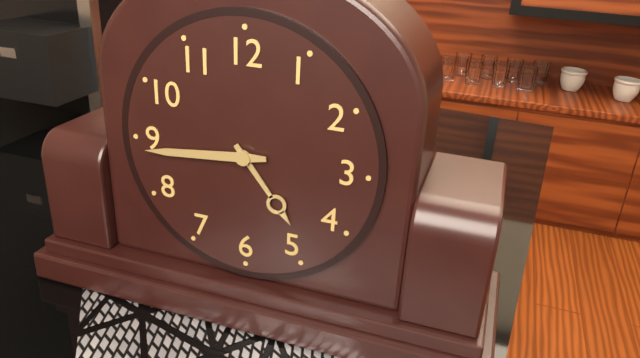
{"hour": 4, "minute": 44}
